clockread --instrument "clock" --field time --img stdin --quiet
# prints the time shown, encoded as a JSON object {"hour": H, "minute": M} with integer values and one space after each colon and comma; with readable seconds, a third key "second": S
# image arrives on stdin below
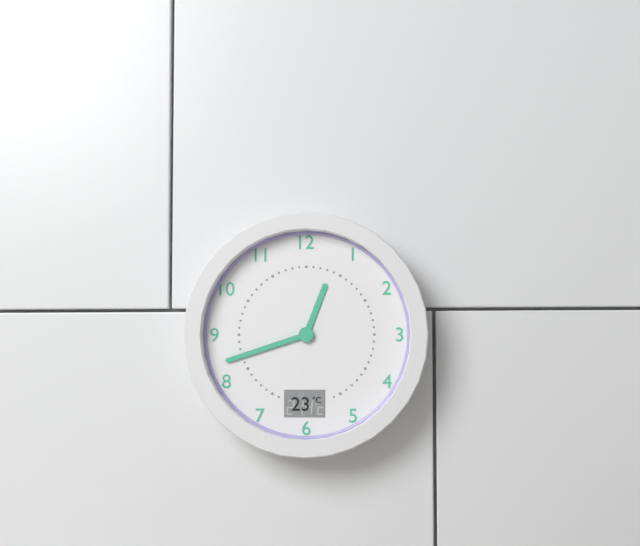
{"hour": 12, "minute": 42}
